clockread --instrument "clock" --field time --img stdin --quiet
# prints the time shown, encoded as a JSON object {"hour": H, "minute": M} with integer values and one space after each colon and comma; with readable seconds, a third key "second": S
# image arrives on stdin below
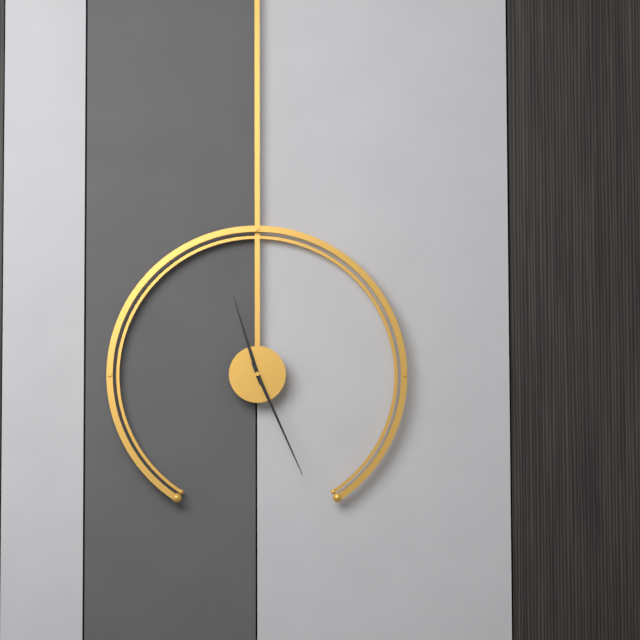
{"hour": 11, "minute": 26}
